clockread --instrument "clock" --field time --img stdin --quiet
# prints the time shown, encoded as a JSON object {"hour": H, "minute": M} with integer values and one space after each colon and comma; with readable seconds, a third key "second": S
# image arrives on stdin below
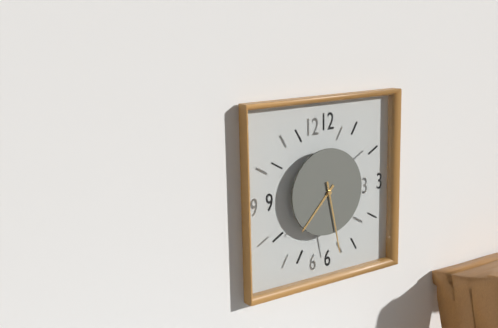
{"hour": 7, "minute": 28}
